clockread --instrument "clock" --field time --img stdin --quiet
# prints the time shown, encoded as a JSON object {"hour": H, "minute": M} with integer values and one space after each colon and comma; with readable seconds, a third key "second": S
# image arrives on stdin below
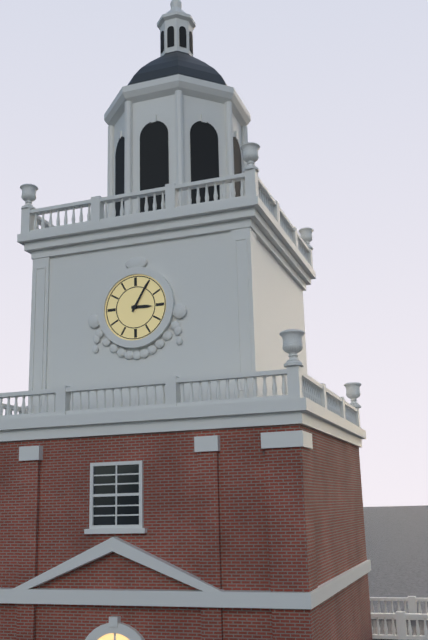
{"hour": 3, "minute": 5}
